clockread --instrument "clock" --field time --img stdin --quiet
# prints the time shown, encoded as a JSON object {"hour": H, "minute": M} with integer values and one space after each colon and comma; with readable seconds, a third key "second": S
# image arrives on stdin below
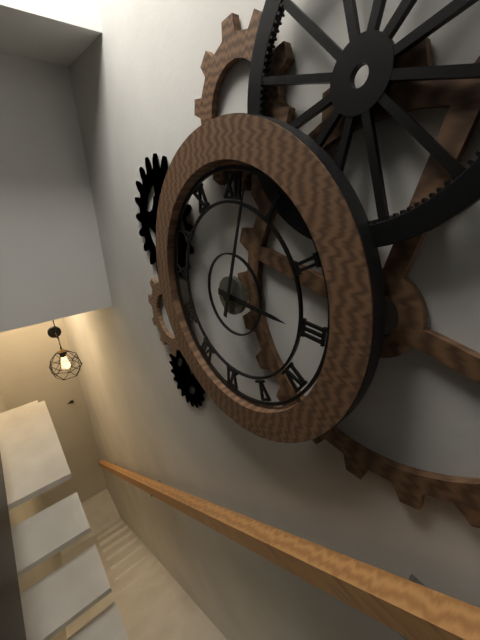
{"hour": 3, "minute": 2}
